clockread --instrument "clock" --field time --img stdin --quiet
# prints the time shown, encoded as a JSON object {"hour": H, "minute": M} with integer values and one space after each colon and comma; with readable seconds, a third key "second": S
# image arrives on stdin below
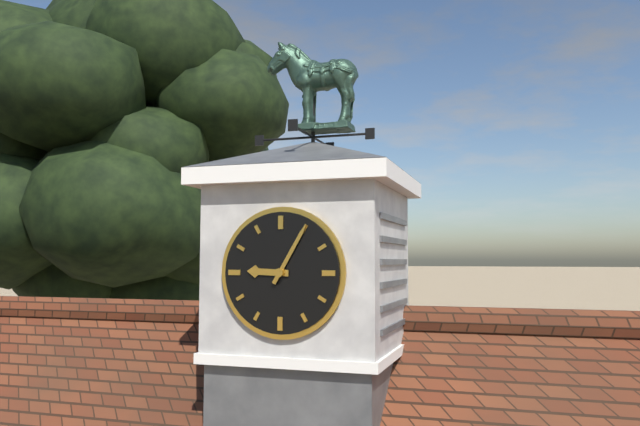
{"hour": 9, "minute": 5}
